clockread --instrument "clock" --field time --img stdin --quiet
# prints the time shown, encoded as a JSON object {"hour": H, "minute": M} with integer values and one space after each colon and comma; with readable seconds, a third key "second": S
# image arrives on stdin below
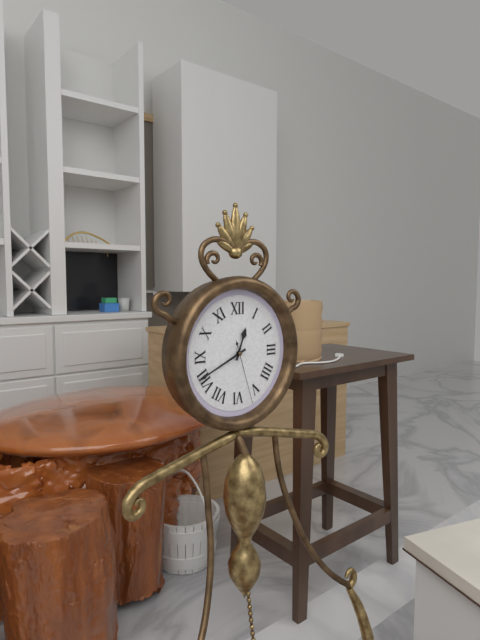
{"hour": 12, "minute": 41, "second": 27}
